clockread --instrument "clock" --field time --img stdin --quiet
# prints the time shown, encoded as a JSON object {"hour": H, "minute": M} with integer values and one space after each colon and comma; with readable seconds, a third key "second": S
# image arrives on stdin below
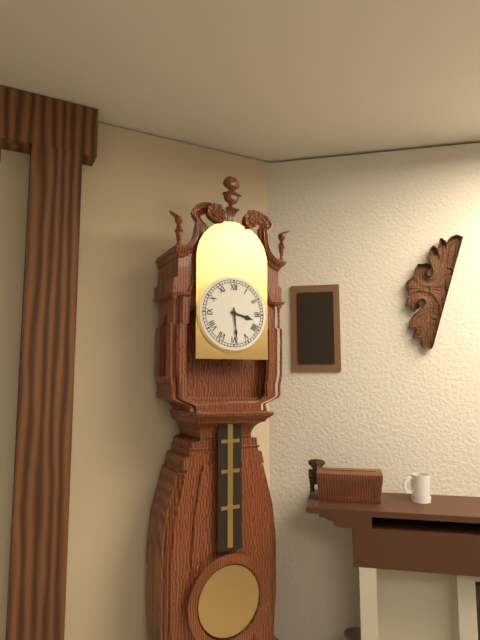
{"hour": 3, "minute": 29}
